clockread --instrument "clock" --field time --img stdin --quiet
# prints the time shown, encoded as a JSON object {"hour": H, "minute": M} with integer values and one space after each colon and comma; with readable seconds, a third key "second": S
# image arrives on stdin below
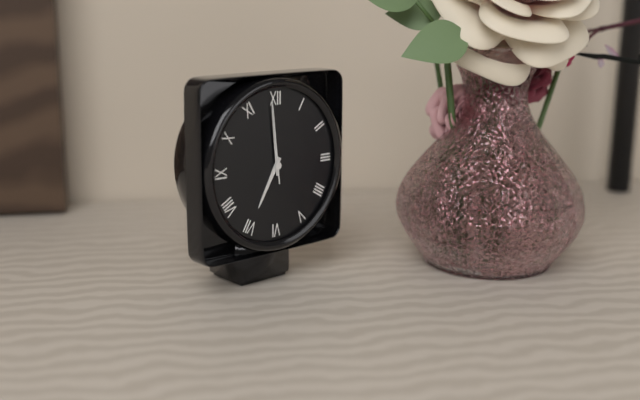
{"hour": 6, "minute": 59, "second": 59}
